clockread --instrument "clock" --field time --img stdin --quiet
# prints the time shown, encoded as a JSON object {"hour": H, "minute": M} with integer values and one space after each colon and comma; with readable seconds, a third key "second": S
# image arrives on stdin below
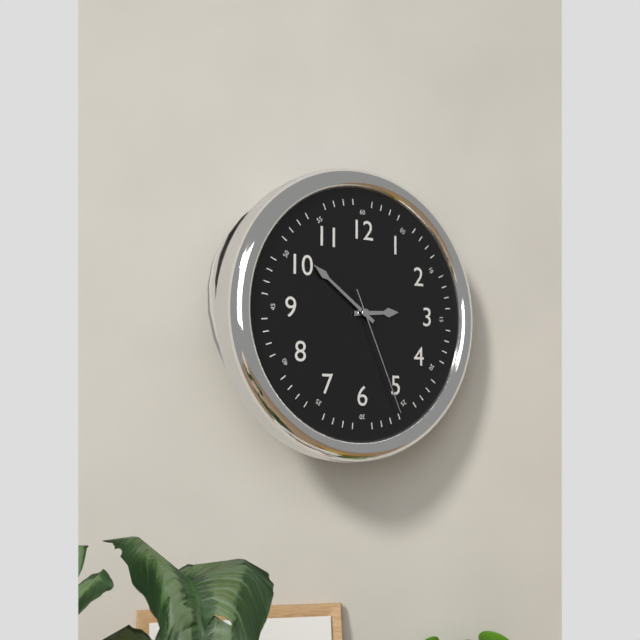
{"hour": 2, "minute": 51, "second": 26}
